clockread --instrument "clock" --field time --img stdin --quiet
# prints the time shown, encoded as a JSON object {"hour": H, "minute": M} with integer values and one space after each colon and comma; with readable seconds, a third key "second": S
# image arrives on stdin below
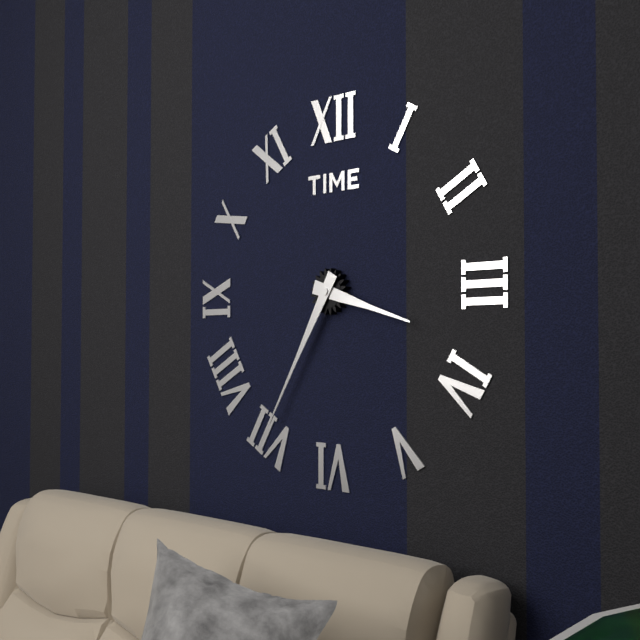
{"hour": 3, "minute": 35}
